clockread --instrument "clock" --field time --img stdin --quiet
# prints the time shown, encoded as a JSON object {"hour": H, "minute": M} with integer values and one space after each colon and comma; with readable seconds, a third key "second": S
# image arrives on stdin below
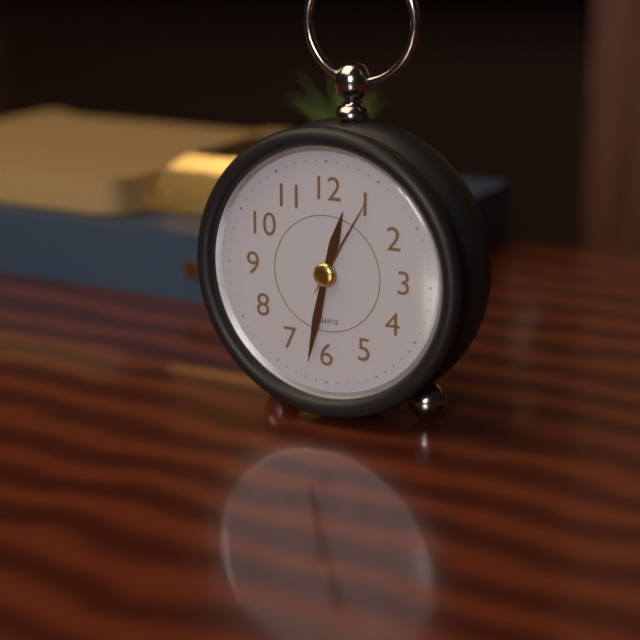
{"hour": 12, "minute": 32, "second": 5}
